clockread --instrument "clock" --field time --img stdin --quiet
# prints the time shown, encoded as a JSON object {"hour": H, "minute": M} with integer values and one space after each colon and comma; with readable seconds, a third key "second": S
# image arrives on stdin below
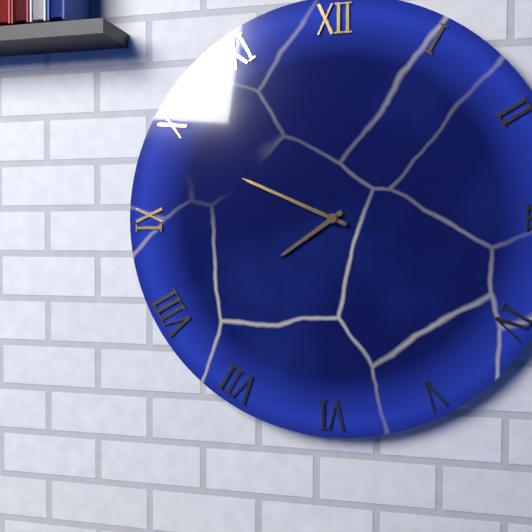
{"hour": 7, "minute": 49}
